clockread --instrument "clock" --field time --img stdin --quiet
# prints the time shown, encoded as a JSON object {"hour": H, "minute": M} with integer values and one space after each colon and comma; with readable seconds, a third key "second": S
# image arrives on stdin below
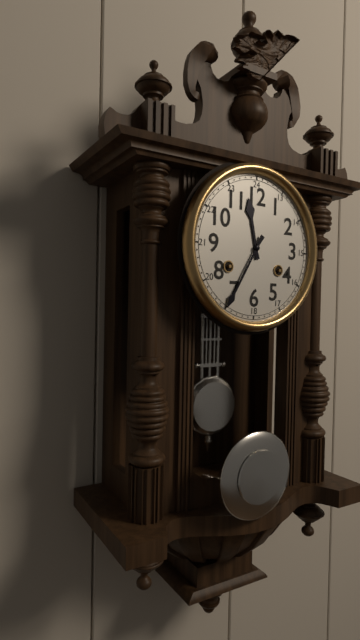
{"hour": 11, "minute": 35}
